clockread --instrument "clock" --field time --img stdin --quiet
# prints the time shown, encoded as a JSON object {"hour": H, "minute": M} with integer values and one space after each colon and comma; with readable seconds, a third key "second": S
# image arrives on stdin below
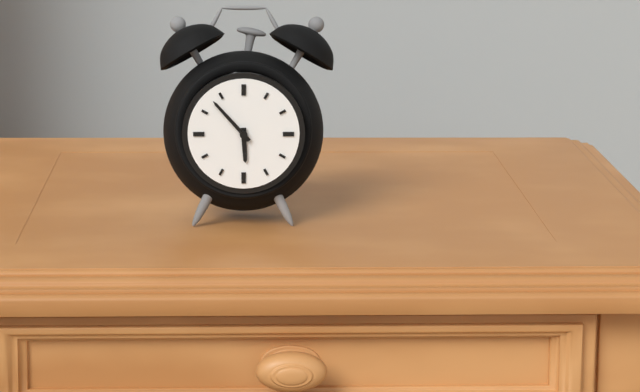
{"hour": 5, "minute": 53}
